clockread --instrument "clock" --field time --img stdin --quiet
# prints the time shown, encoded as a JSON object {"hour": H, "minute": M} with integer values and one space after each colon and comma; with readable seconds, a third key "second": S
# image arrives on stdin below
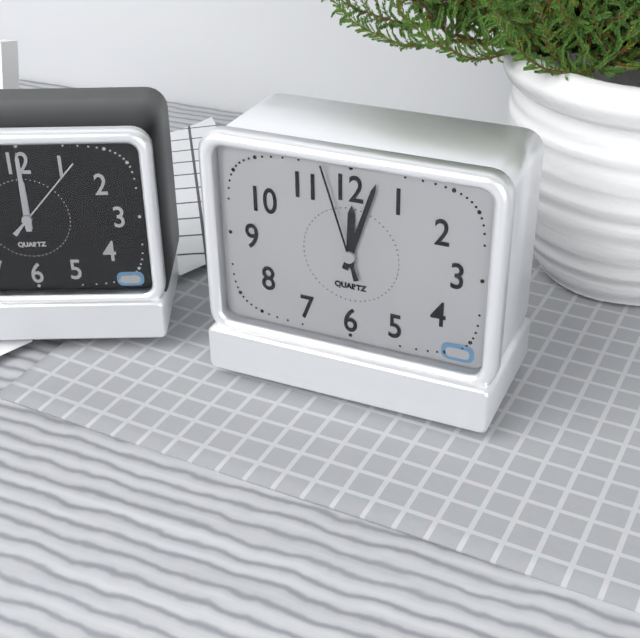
{"hour": 12, "minute": 3, "second": 57}
